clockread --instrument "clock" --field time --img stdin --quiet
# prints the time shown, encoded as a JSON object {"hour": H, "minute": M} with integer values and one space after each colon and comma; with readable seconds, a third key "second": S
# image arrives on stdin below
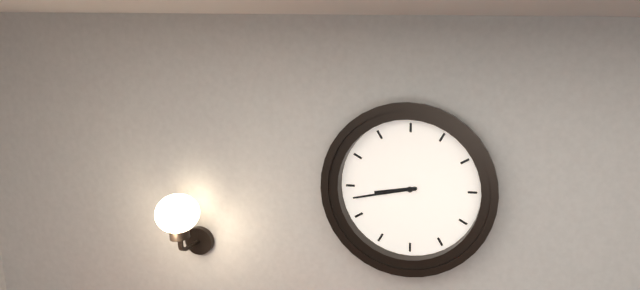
{"hour": 8, "minute": 43}
